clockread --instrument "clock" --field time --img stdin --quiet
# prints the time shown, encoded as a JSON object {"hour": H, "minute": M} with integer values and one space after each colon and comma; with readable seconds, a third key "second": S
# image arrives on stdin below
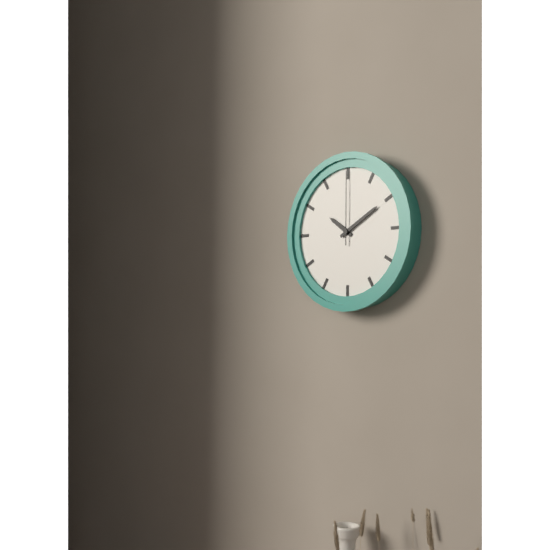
{"hour": 10, "minute": 10, "second": 0}
